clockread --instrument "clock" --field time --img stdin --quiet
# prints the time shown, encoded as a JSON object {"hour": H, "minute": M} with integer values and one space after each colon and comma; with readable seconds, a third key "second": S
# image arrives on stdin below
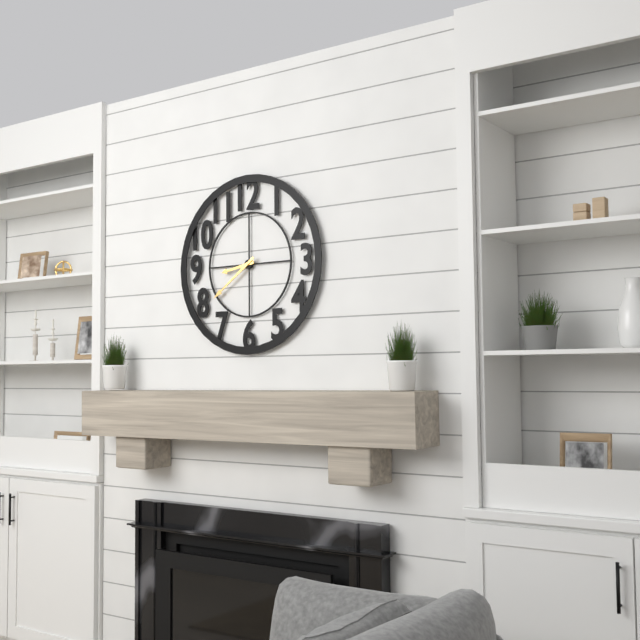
{"hour": 8, "minute": 39}
